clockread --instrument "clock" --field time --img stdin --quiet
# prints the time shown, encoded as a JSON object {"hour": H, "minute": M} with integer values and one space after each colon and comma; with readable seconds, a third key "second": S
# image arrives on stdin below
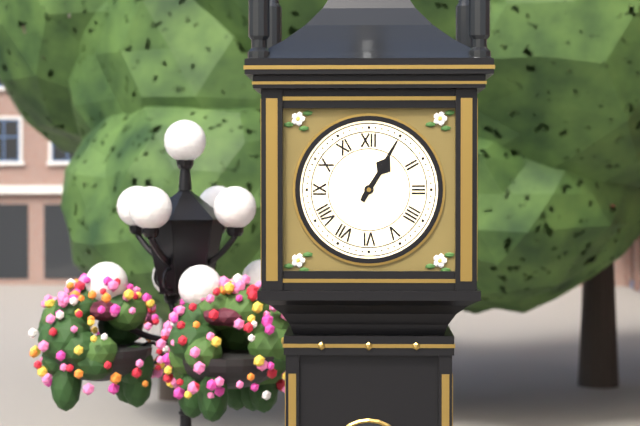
{"hour": 1, "minute": 5}
